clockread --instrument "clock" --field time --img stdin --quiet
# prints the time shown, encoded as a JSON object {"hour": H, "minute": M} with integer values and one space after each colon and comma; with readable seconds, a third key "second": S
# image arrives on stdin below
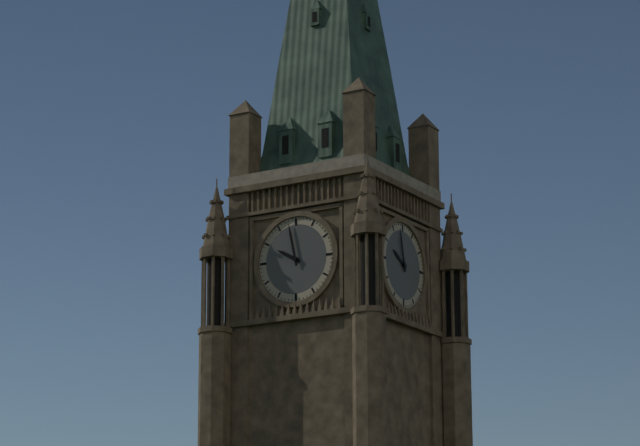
{"hour": 9, "minute": 58}
